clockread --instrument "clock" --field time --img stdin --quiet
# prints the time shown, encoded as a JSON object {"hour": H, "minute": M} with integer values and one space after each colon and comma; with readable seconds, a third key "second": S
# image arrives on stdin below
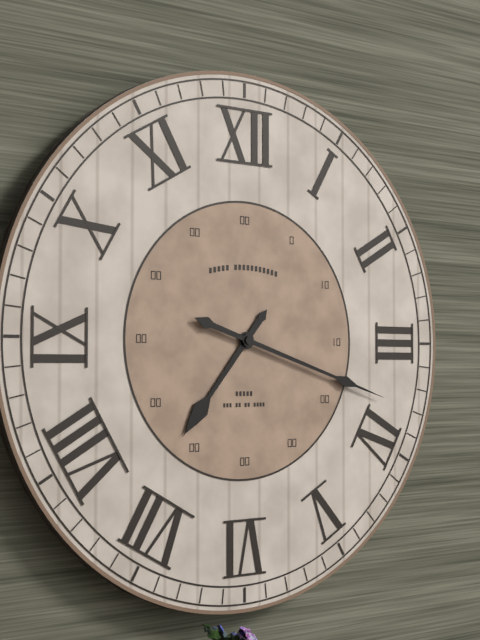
{"hour": 7, "minute": 18}
